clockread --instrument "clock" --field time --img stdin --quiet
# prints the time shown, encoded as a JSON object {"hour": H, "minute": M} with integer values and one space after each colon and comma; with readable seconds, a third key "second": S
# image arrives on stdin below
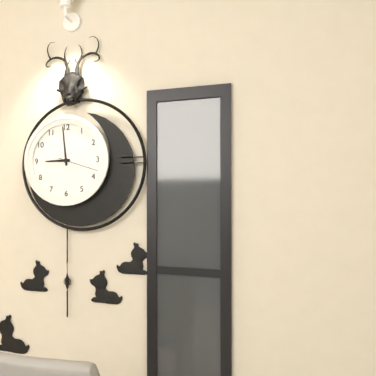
{"hour": 8, "minute": 59}
